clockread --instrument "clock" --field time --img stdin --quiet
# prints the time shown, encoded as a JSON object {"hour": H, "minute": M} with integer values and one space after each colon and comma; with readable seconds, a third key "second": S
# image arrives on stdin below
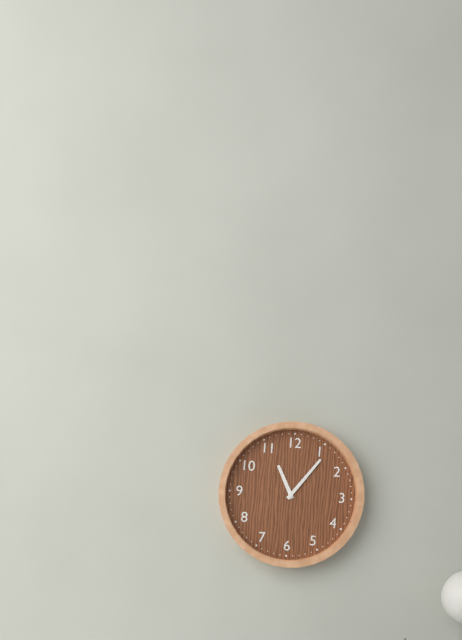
{"hour": 11, "minute": 6}
